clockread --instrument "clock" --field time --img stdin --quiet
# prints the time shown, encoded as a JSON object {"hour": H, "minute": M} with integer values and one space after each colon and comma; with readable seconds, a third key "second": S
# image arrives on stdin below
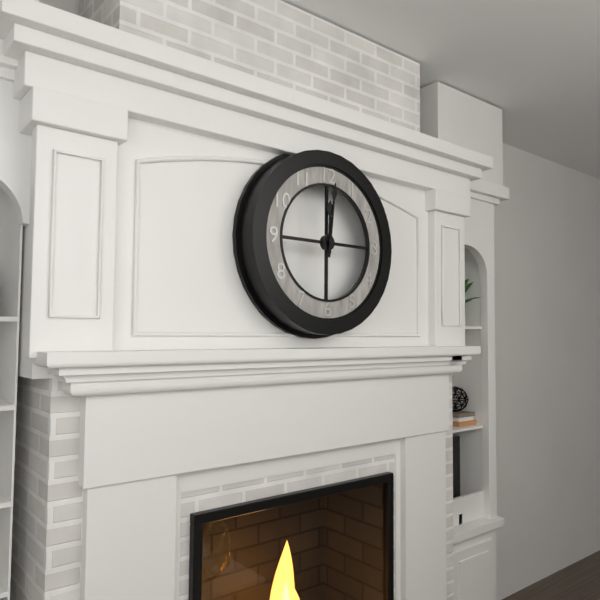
{"hour": 12, "minute": 1}
